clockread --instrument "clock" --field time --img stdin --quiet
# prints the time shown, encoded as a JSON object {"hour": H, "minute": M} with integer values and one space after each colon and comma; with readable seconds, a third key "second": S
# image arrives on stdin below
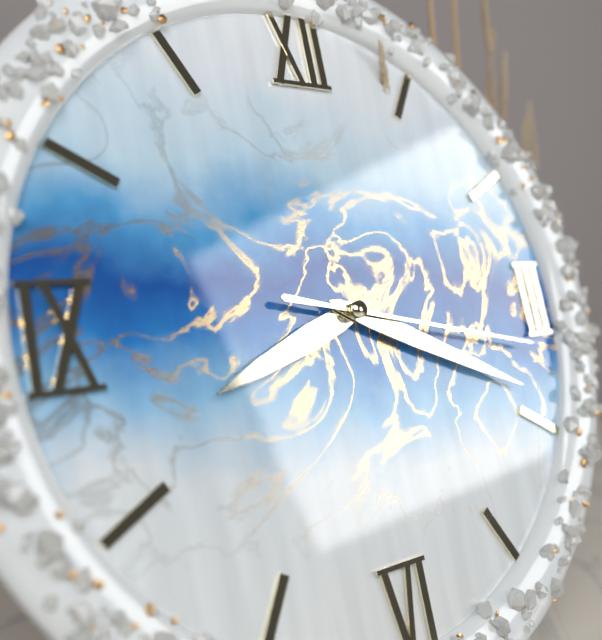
{"hour": 8, "minute": 19, "second": 17}
